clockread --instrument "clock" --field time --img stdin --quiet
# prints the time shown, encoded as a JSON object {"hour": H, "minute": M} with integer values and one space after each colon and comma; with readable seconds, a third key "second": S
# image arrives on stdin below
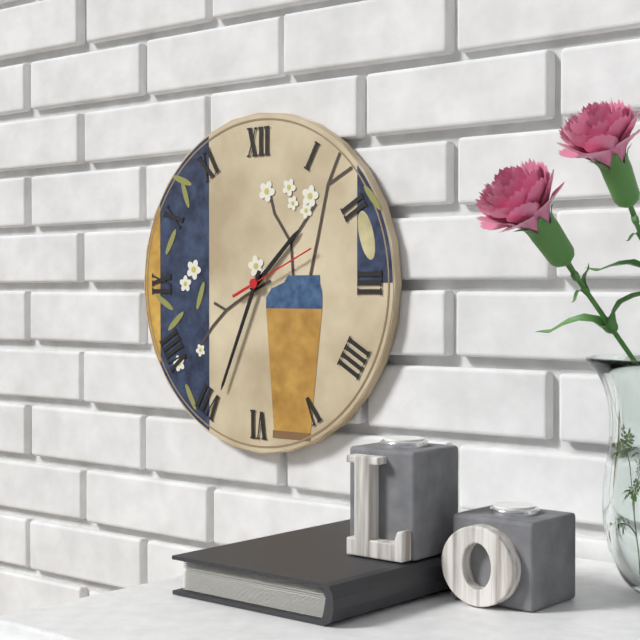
{"hour": 1, "minute": 34, "second": 11}
